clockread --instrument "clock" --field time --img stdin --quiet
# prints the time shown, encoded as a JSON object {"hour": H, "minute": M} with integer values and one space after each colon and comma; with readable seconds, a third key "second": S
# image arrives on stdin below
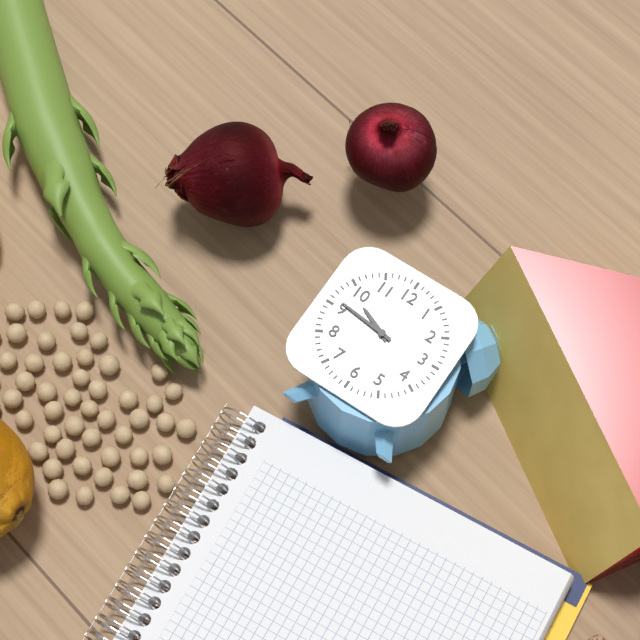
{"hour": 9, "minute": 46}
